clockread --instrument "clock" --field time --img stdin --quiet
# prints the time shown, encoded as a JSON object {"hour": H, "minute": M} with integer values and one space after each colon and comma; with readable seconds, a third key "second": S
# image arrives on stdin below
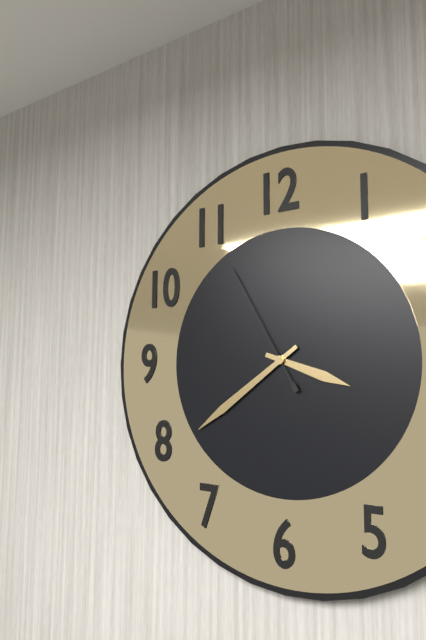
{"hour": 3, "minute": 39, "second": 55}
